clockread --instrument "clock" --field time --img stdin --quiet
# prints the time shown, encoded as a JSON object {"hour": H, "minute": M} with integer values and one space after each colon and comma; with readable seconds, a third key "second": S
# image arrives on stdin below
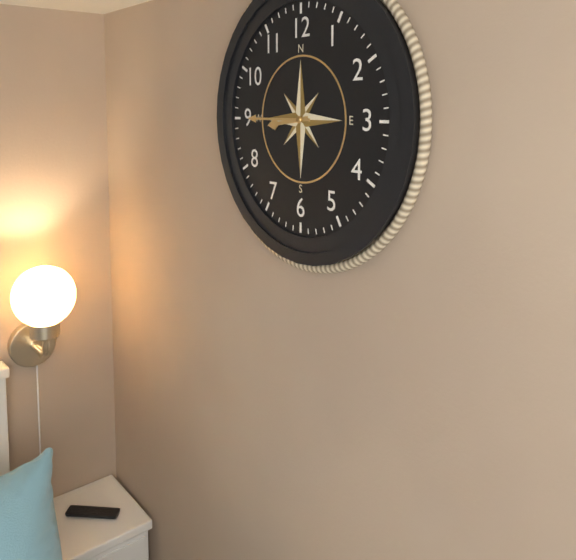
{"hour": 8, "minute": 45}
